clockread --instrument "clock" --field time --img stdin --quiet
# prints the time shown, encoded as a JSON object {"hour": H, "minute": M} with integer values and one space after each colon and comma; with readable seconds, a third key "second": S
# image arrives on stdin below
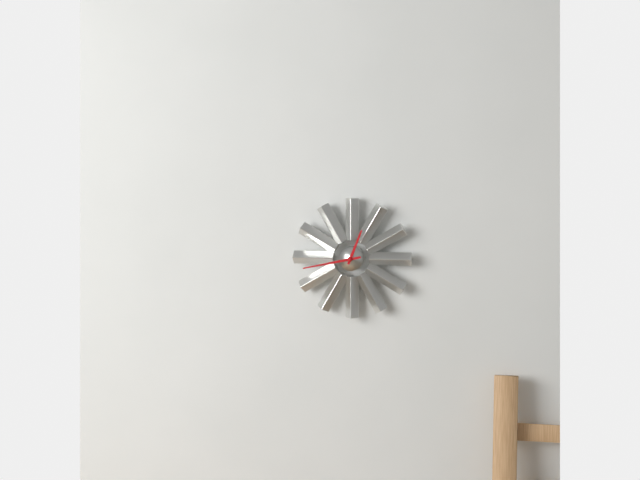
{"hour": 12, "minute": 43}
